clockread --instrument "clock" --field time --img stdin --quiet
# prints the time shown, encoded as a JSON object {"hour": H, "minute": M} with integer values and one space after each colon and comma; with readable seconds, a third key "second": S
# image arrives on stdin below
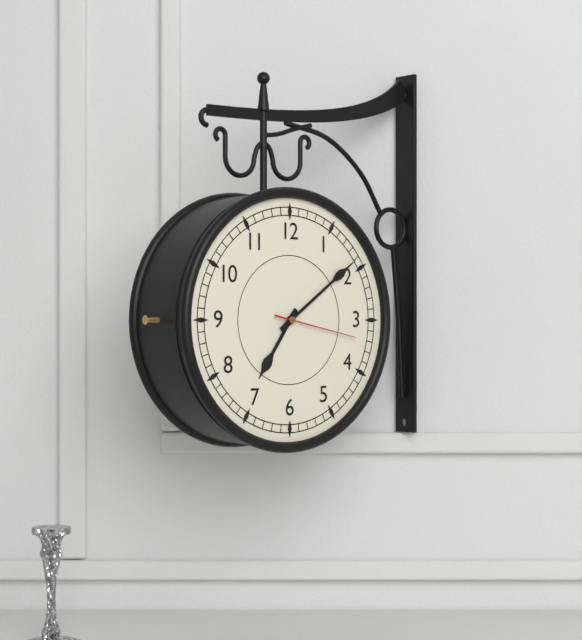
{"hour": 7, "minute": 9, "second": 17}
